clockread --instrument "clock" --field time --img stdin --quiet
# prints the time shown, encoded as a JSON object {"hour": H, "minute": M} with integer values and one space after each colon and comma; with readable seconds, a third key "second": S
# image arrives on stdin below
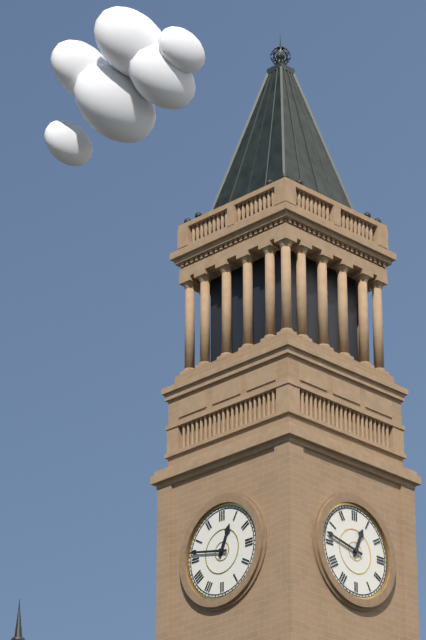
{"hour": 12, "minute": 47}
